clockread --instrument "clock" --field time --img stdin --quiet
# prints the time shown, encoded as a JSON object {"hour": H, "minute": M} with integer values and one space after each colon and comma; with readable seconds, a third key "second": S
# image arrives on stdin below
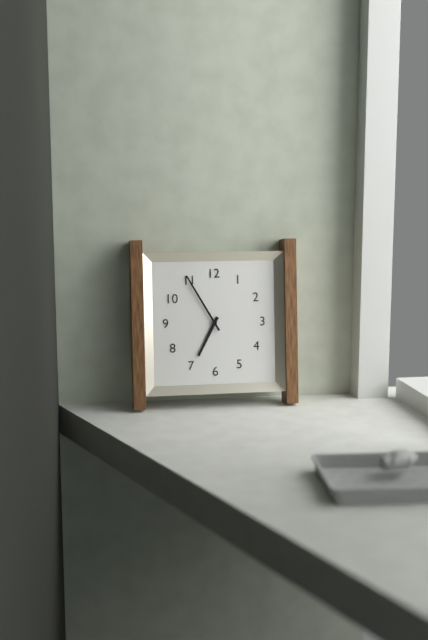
{"hour": 6, "minute": 55}
